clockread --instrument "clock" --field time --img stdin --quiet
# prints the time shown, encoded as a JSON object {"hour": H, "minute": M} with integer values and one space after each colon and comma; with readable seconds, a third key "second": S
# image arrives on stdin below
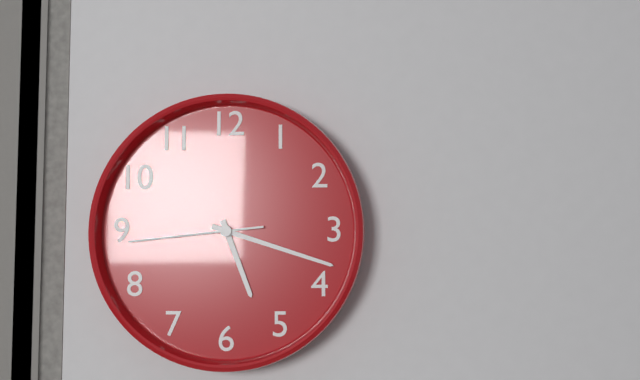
{"hour": 5, "minute": 18, "second": 44}
